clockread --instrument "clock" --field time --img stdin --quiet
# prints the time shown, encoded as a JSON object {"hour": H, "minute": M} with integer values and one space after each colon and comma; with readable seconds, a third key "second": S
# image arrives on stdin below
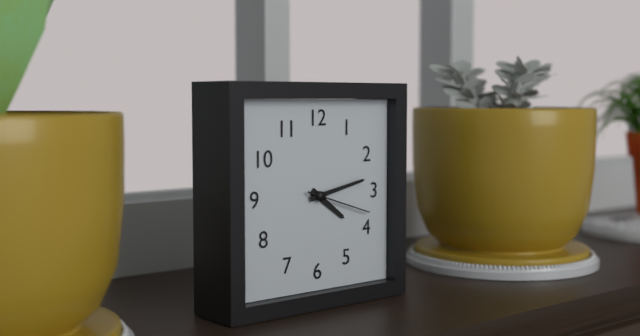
{"hour": 4, "minute": 13, "second": 18}
